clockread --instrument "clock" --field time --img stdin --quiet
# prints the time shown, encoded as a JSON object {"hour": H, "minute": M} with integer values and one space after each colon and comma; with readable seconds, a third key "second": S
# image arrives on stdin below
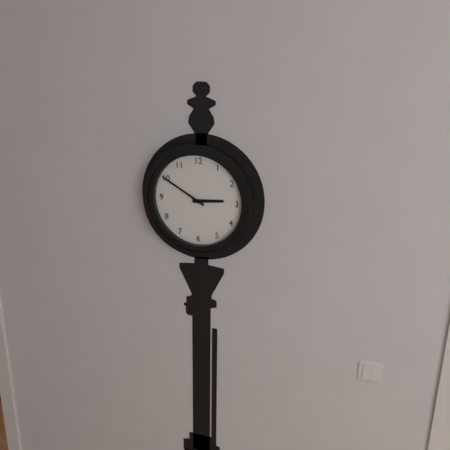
{"hour": 2, "minute": 50}
